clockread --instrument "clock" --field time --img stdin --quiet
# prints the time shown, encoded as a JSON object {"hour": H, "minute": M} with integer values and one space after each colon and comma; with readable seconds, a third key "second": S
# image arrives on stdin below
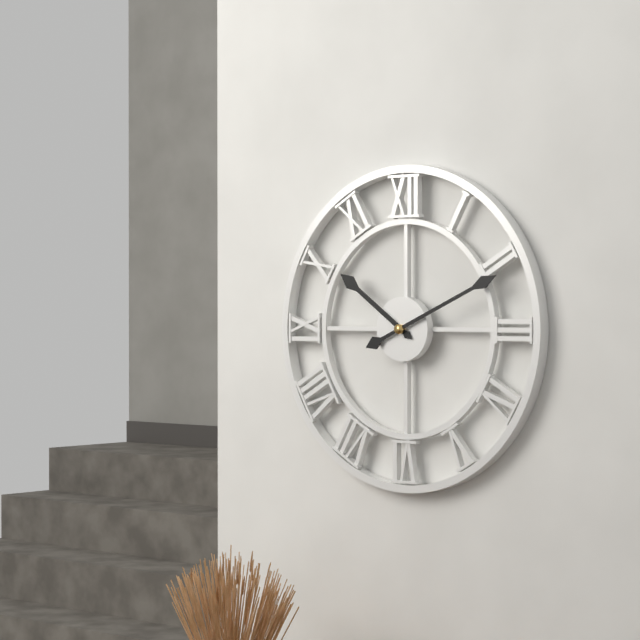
{"hour": 10, "minute": 11}
